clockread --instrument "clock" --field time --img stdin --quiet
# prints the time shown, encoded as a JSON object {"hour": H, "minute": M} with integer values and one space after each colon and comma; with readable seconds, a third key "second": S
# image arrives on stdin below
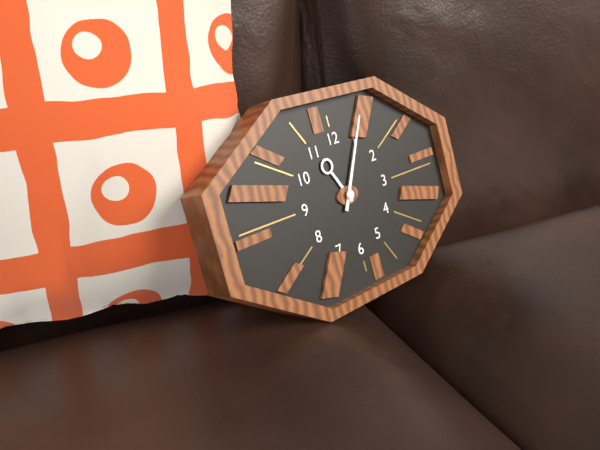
{"hour": 11, "minute": 5}
